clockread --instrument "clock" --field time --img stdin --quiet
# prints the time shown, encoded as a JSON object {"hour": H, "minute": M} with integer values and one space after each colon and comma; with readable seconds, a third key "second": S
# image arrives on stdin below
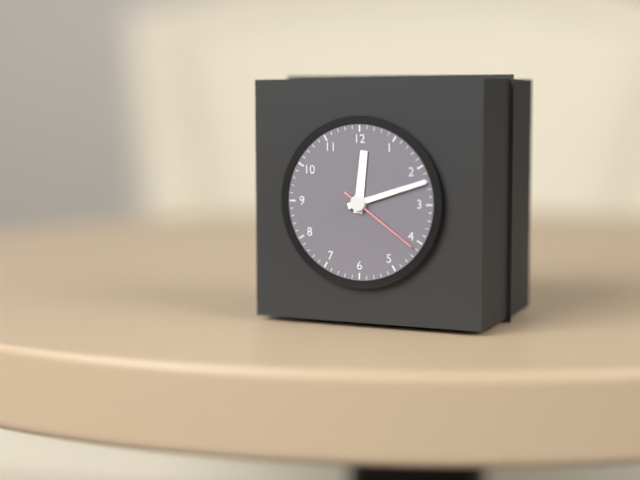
{"hour": 12, "minute": 12, "second": 21}
